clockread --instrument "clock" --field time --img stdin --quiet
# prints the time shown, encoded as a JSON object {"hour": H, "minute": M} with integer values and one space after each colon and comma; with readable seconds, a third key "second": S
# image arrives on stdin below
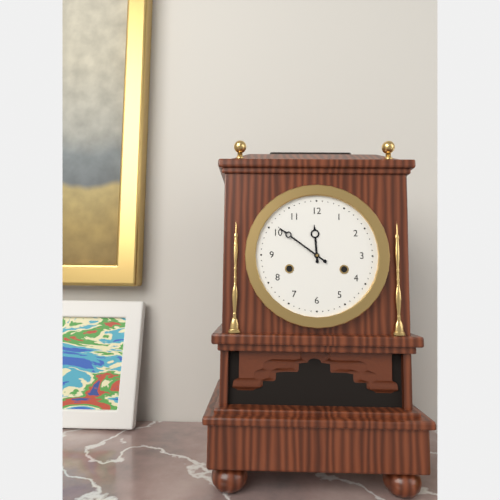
{"hour": 11, "minute": 51}
